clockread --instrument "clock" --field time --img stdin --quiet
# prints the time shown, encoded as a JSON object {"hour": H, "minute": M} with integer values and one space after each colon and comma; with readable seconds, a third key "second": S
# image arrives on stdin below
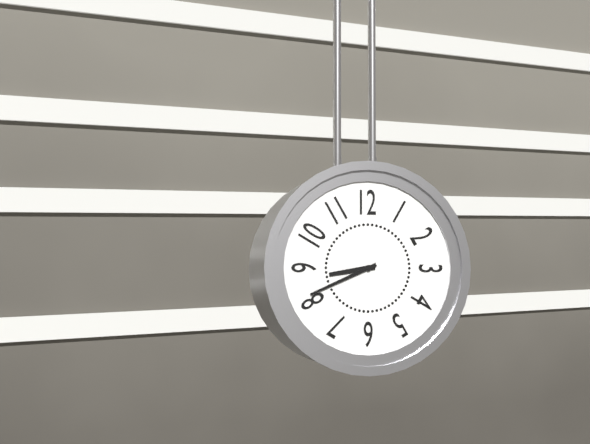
{"hour": 8, "minute": 41}
